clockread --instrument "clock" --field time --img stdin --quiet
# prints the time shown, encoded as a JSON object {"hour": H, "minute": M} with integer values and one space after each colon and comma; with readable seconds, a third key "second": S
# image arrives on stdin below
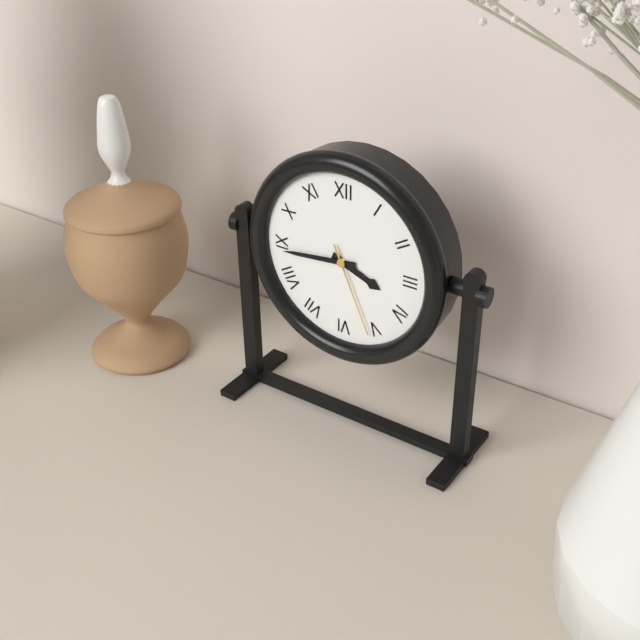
{"hour": 3, "minute": 44, "second": 26}
